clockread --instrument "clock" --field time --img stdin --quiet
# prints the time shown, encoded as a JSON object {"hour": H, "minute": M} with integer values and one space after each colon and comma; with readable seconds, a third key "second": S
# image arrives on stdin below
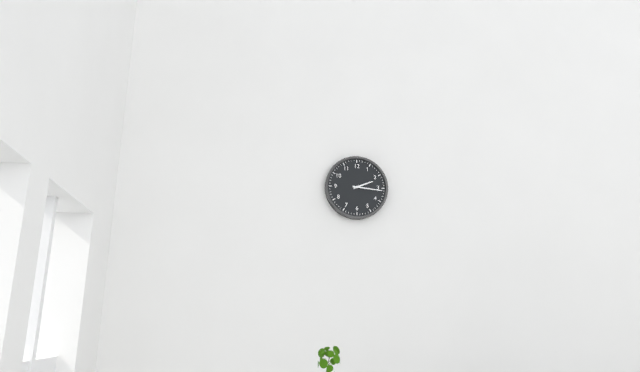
{"hour": 2, "minute": 16}
